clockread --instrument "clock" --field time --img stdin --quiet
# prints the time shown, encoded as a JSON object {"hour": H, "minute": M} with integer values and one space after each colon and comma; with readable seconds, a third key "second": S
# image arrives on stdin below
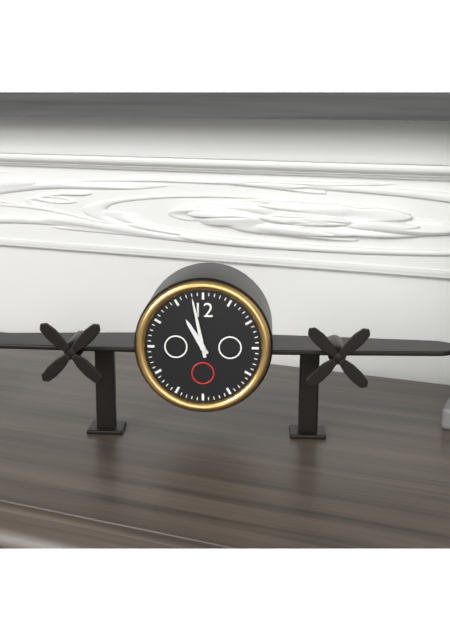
{"hour": 10, "minute": 58}
